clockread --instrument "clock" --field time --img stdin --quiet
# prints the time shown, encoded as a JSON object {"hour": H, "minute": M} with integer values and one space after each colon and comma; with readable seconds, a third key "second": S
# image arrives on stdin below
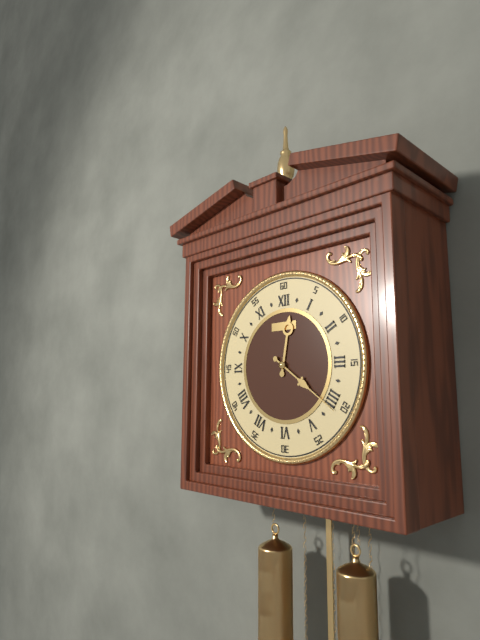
{"hour": 12, "minute": 21}
